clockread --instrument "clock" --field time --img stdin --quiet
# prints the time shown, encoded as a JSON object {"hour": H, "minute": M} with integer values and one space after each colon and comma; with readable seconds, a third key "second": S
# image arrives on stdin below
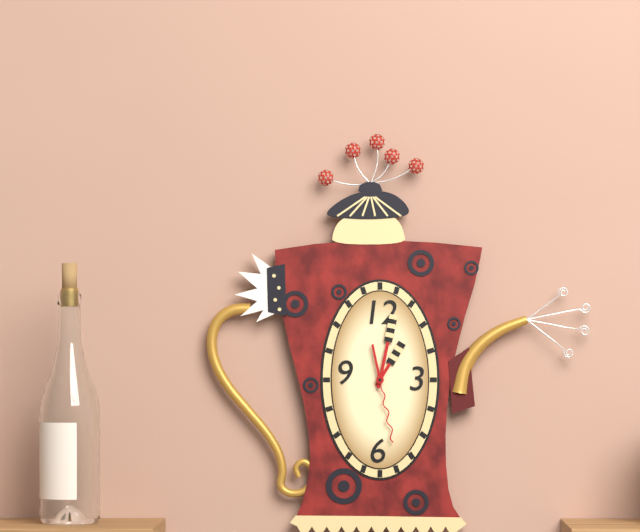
{"hour": 1, "minute": 2, "second": 28}
